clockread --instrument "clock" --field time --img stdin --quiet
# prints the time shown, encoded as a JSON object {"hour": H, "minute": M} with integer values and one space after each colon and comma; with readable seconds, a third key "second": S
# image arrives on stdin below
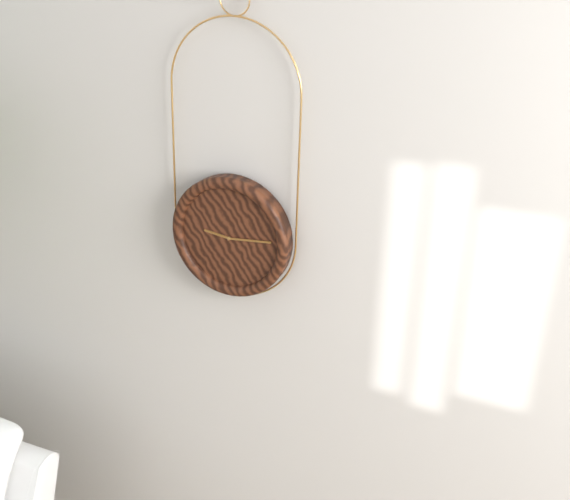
{"hour": 9, "minute": 14}
